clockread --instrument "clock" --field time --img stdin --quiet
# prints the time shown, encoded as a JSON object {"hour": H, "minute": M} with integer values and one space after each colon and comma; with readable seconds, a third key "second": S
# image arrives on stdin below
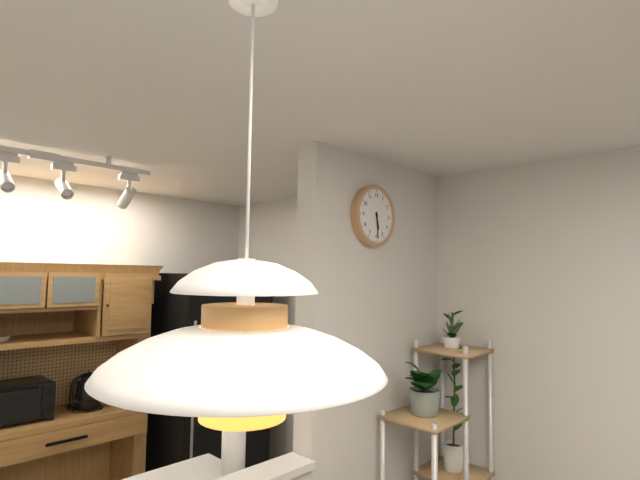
{"hour": 5, "minute": 29}
